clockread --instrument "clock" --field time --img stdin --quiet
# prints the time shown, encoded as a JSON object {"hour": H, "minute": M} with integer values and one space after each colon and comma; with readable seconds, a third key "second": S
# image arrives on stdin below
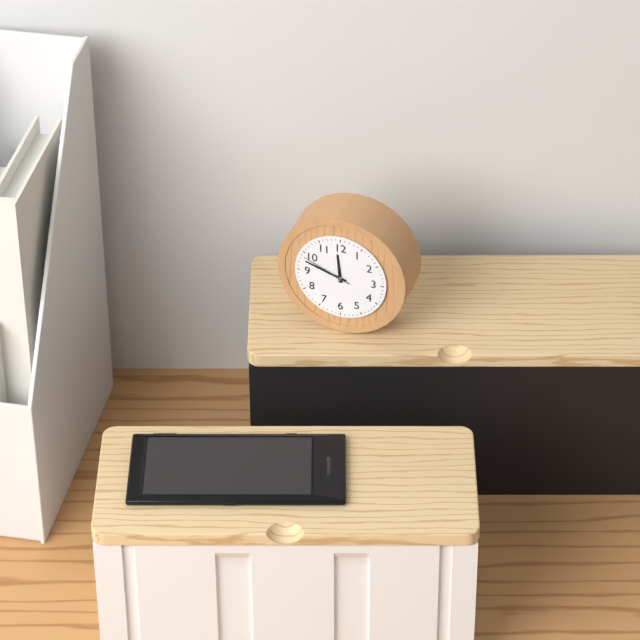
{"hour": 11, "minute": 48, "second": 49}
